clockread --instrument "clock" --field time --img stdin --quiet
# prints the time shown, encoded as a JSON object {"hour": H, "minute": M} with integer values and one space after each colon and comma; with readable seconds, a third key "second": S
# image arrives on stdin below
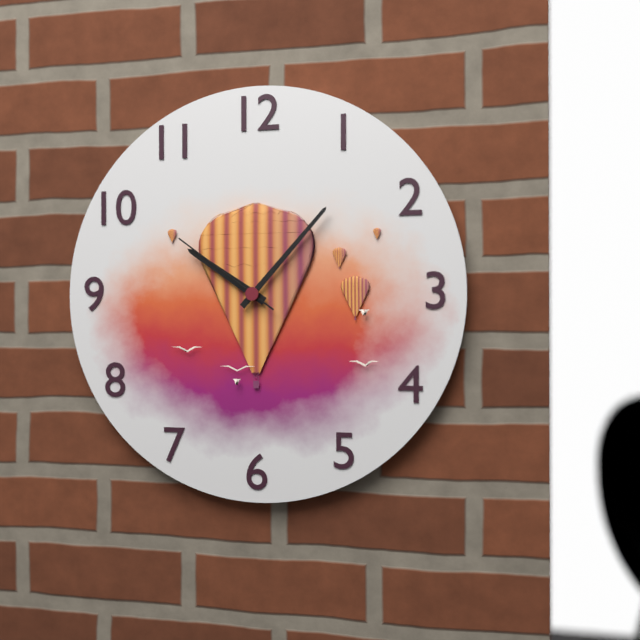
{"hour": 10, "minute": 7, "second": 51}
